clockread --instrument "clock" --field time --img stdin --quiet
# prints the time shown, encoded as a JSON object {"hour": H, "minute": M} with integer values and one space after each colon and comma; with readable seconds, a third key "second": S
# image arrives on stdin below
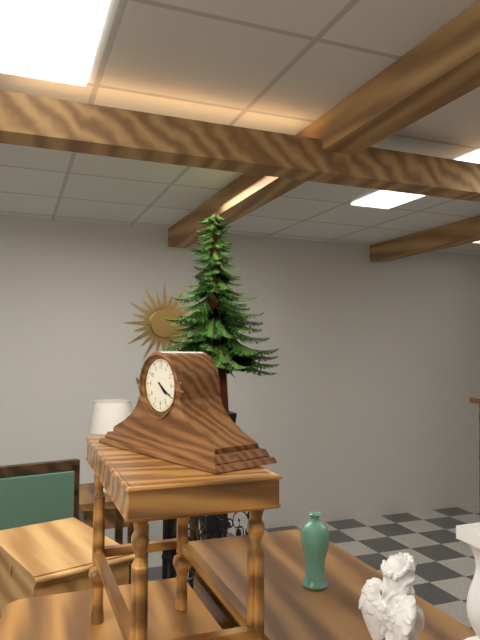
{"hour": 4, "minute": 20}
